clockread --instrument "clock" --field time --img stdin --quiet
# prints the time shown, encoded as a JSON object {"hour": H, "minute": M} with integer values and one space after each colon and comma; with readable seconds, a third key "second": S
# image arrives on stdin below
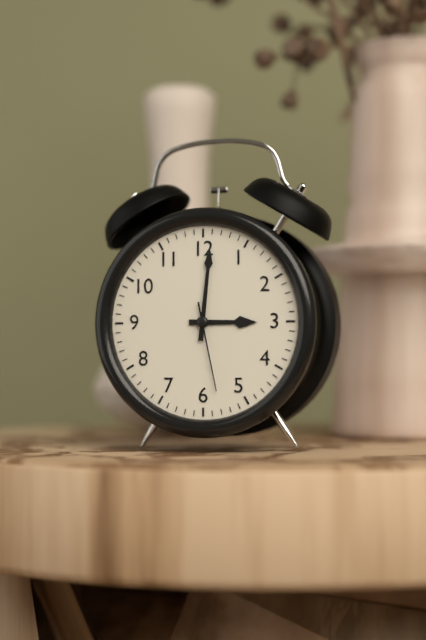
{"hour": 3, "minute": 1, "second": 28}
